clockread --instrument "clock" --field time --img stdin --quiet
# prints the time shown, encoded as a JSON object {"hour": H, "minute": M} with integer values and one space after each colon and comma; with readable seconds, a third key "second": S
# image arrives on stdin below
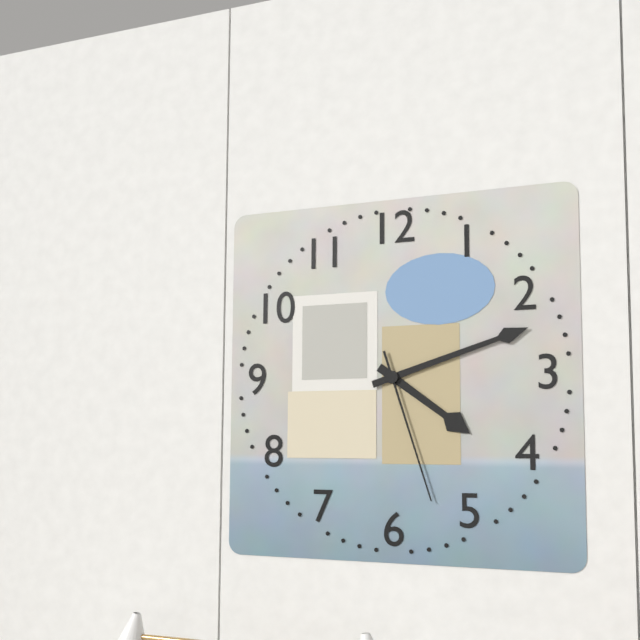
{"hour": 4, "minute": 12, "second": 27}
